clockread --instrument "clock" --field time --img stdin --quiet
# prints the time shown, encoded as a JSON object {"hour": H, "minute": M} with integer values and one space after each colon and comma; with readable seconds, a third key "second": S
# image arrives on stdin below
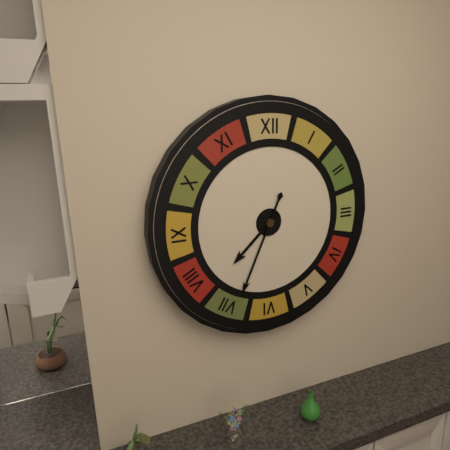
{"hour": 7, "minute": 34}
